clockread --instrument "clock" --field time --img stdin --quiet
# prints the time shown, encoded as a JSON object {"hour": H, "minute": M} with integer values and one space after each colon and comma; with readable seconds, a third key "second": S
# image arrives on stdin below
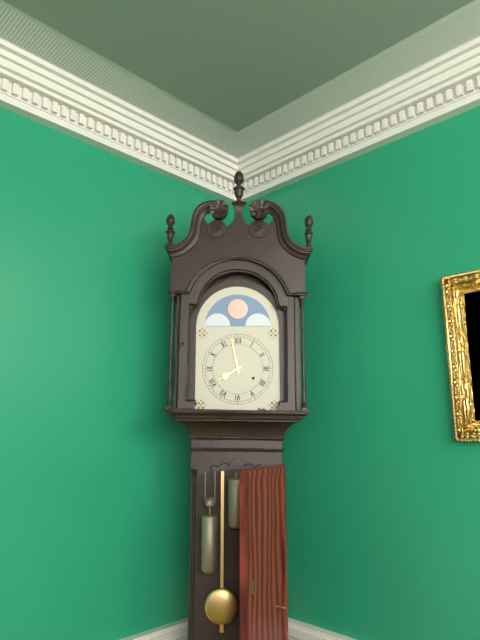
{"hour": 7, "minute": 58}
